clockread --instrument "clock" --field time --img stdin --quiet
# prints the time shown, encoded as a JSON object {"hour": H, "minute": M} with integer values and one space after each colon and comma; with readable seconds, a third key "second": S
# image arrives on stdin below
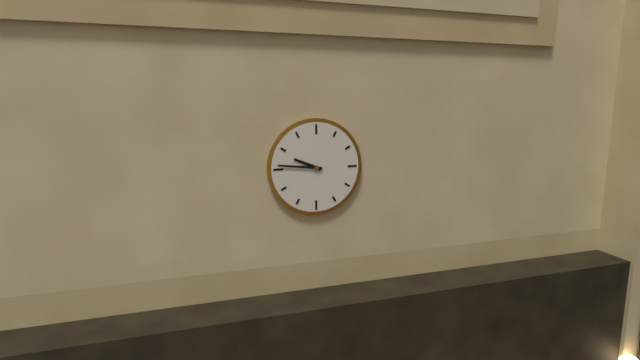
{"hour": 9, "minute": 46}
